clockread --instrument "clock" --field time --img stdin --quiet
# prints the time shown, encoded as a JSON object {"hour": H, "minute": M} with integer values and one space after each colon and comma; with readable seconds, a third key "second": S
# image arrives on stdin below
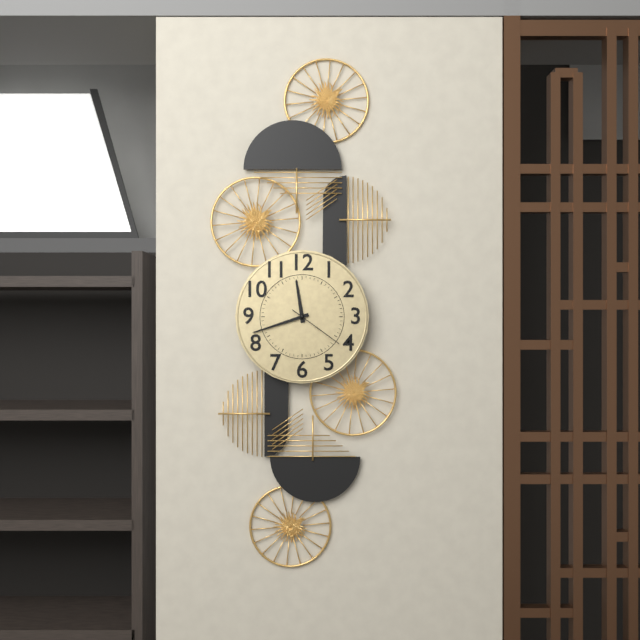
{"hour": 11, "minute": 42, "second": 21}
